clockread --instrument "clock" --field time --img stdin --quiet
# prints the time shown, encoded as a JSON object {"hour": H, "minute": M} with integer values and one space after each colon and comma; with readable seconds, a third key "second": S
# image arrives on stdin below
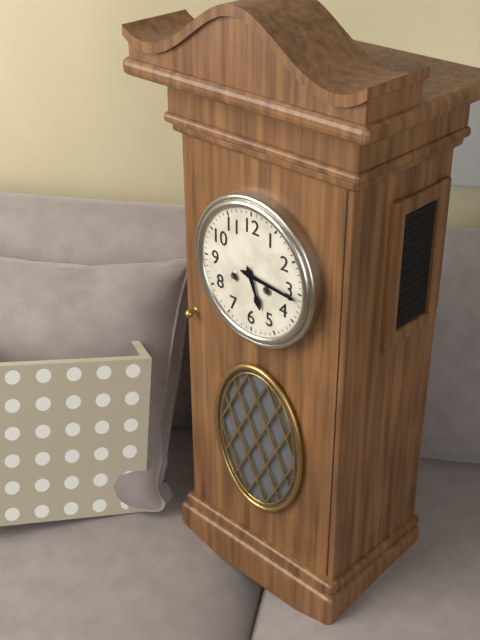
{"hour": 5, "minute": 16}
